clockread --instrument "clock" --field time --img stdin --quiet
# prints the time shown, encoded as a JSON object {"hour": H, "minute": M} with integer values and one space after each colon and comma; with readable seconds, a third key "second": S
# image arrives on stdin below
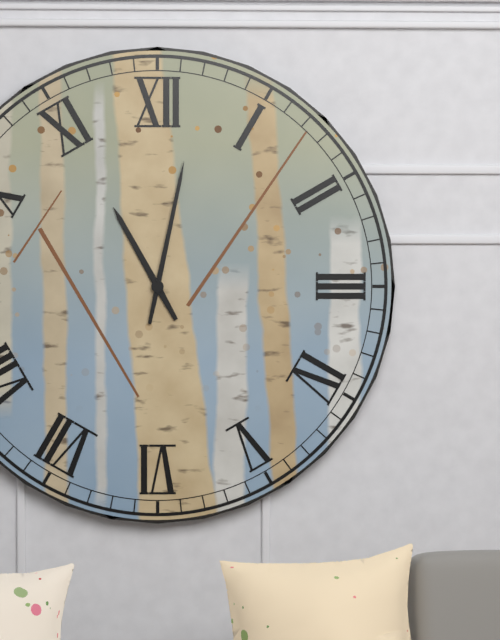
{"hour": 11, "minute": 2}
